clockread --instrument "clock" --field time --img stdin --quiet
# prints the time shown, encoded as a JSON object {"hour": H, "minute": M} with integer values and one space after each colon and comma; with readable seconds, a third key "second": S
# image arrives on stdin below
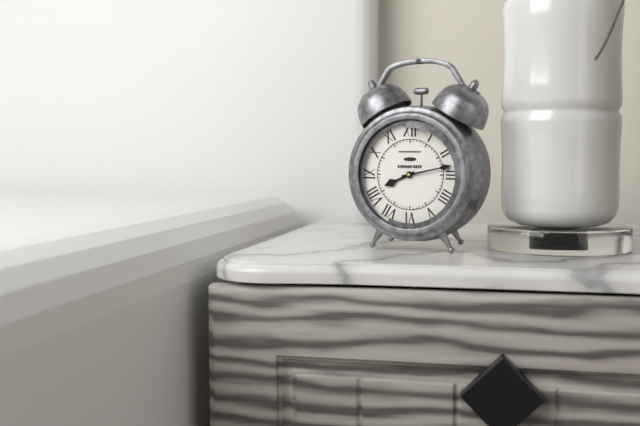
{"hour": 8, "minute": 13}
